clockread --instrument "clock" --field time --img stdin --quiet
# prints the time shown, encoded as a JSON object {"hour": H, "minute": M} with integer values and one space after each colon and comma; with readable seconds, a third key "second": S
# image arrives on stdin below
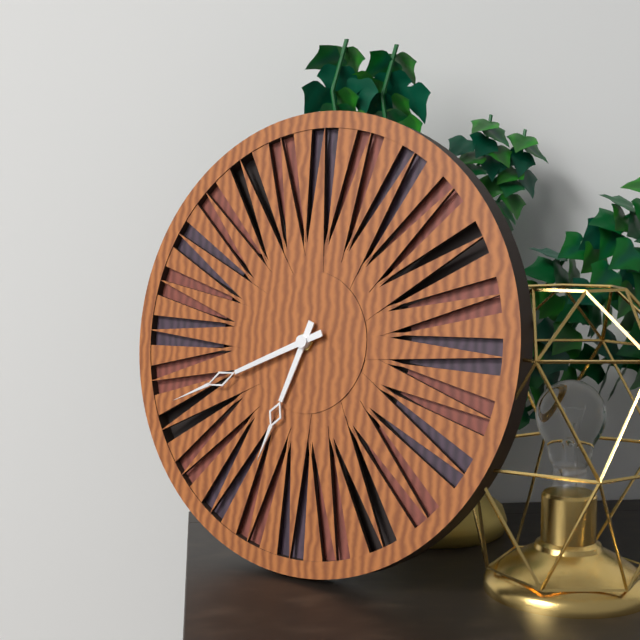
{"hour": 6, "minute": 41}
